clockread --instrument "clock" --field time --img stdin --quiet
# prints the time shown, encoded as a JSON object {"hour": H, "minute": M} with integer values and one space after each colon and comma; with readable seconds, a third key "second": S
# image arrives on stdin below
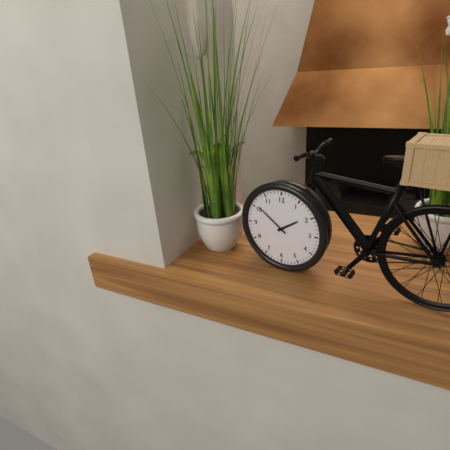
{"hour": 1, "minute": 51}
